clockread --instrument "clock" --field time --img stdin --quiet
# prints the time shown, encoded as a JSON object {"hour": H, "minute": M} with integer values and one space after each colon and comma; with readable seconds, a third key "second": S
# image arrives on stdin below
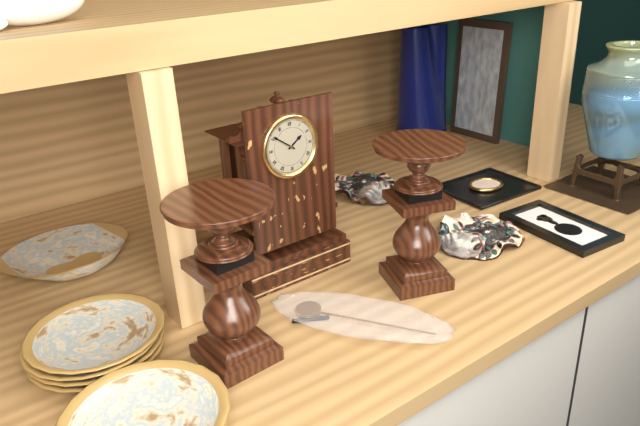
{"hour": 1, "minute": 51}
